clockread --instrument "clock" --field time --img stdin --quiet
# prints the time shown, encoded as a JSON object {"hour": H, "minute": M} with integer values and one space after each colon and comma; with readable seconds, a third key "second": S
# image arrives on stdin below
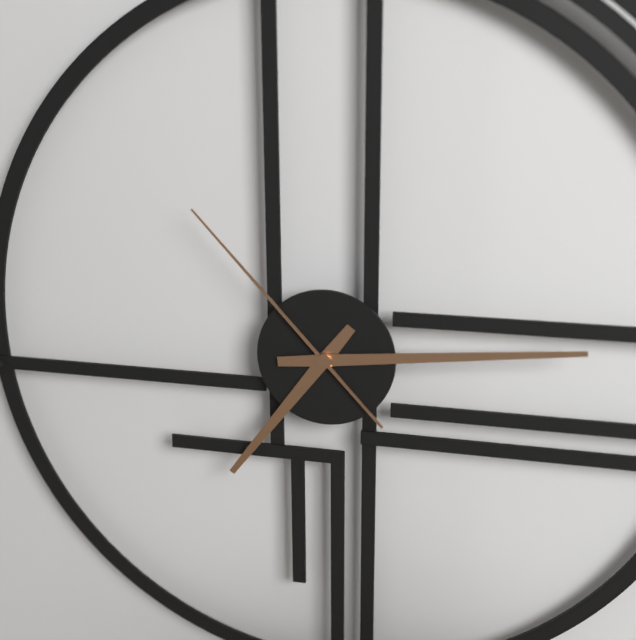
{"hour": 7, "minute": 14, "second": 53}
